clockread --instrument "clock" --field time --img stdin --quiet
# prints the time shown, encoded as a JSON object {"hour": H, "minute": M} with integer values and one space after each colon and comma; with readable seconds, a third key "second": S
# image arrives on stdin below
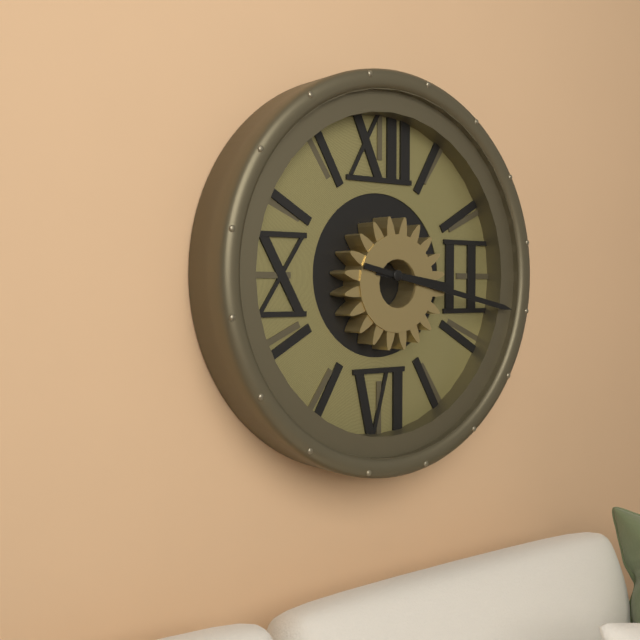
{"hour": 3, "minute": 17}
